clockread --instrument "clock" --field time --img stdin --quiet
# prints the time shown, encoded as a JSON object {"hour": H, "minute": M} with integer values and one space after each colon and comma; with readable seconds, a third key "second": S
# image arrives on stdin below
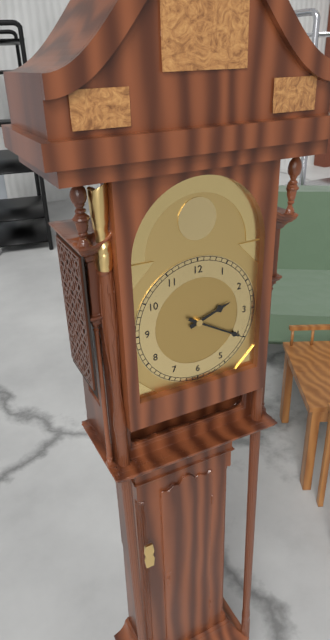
{"hour": 2, "minute": 20}
